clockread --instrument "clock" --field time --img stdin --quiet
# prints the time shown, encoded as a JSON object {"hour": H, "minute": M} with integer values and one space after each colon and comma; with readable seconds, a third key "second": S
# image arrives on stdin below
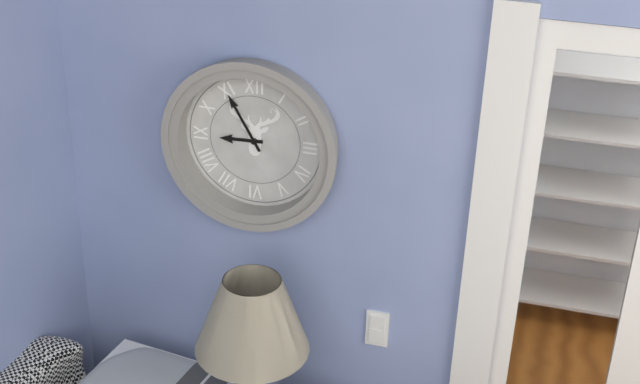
{"hour": 8, "minute": 55}
